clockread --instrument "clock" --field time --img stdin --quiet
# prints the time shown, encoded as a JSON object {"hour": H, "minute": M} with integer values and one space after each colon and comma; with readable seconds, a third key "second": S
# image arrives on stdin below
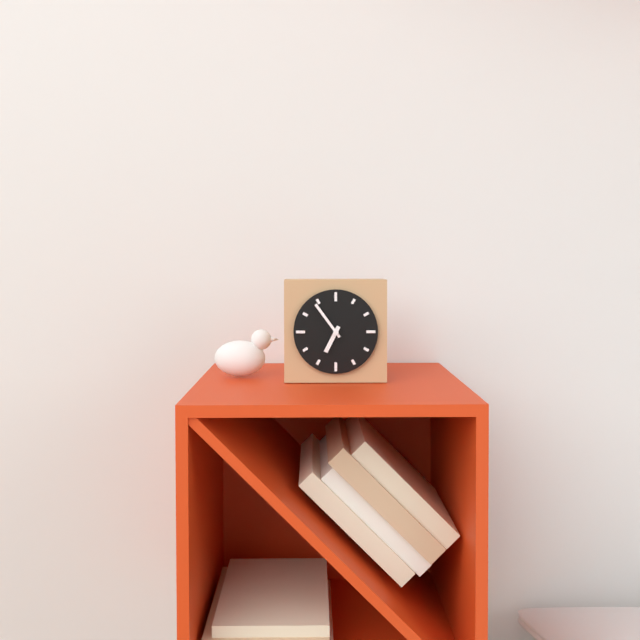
{"hour": 6, "minute": 54}
